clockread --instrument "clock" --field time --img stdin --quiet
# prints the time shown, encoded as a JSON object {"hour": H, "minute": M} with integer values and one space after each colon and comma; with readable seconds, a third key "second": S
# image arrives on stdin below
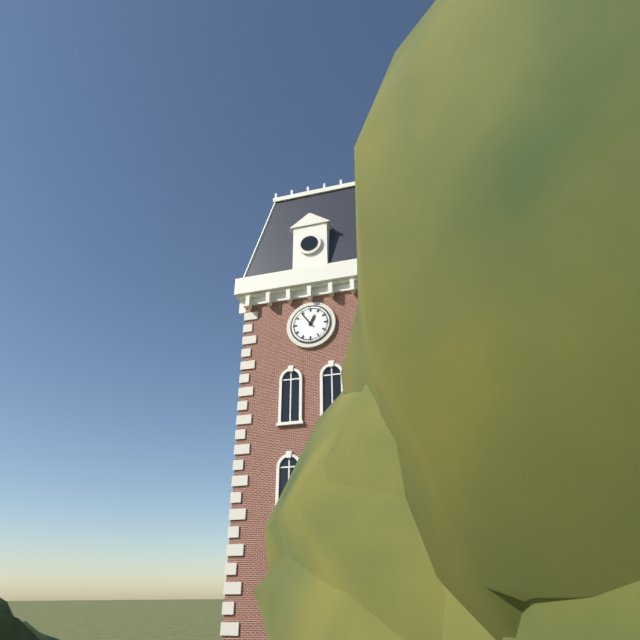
{"hour": 12, "minute": 54}
